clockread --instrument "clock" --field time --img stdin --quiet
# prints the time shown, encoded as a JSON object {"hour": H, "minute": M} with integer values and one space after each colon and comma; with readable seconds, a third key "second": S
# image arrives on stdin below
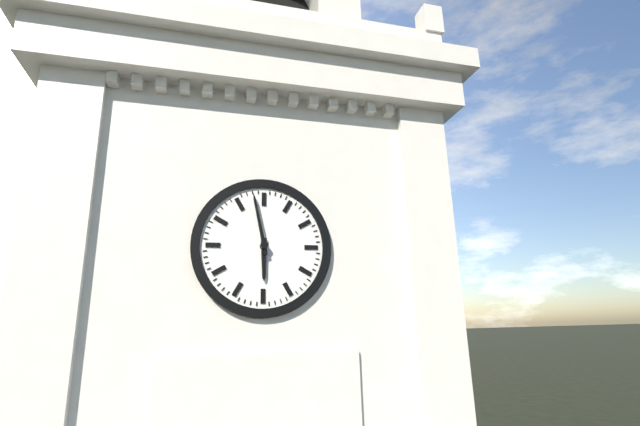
{"hour": 5, "minute": 58}
